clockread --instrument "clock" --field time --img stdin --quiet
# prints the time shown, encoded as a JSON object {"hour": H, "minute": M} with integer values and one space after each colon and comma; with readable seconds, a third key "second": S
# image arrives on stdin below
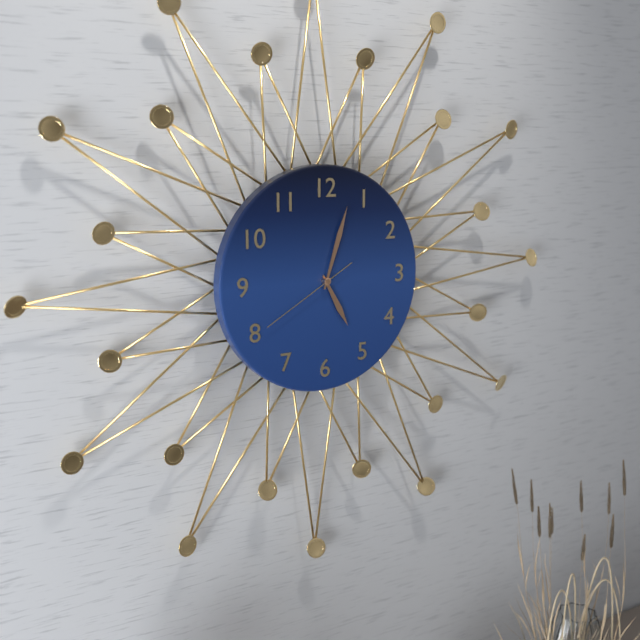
{"hour": 5, "minute": 3, "second": 40}
